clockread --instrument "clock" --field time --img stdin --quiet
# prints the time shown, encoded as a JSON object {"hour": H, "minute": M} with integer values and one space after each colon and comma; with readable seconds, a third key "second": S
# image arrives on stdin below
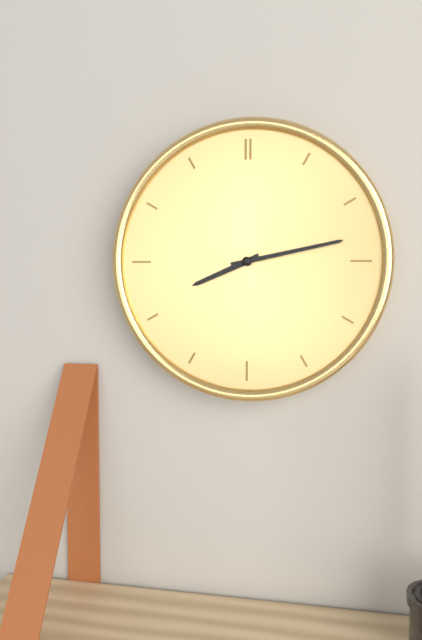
{"hour": 8, "minute": 13}
